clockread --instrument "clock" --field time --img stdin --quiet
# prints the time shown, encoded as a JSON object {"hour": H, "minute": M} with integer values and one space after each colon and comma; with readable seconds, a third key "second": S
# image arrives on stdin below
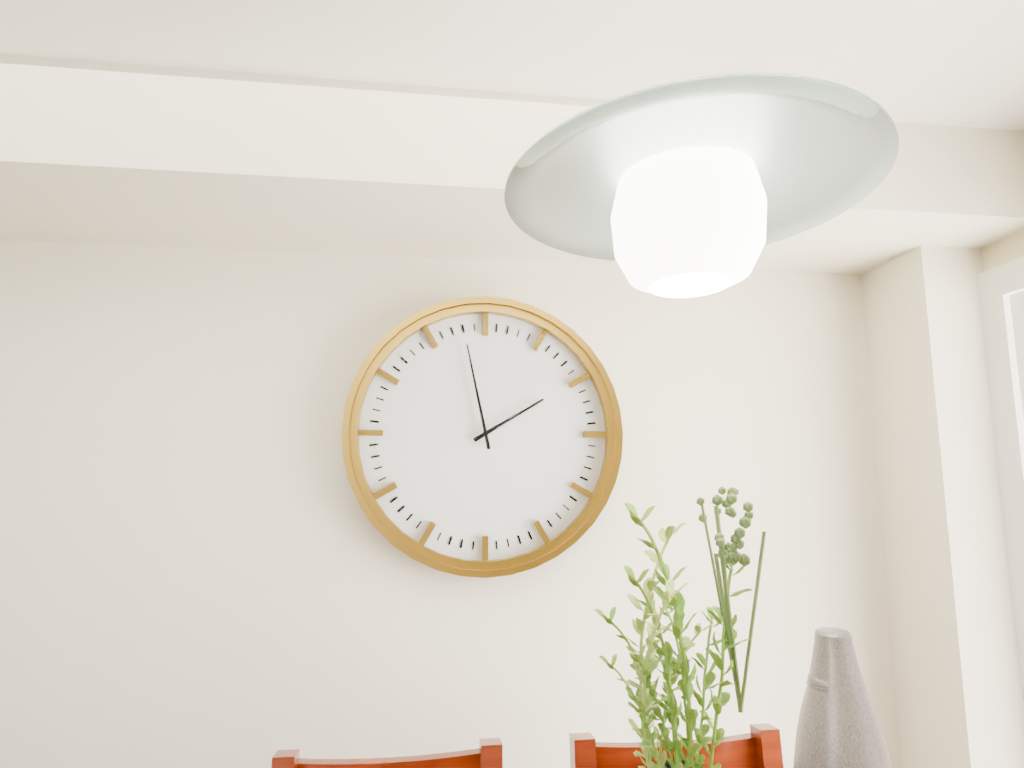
{"hour": 1, "minute": 58}
